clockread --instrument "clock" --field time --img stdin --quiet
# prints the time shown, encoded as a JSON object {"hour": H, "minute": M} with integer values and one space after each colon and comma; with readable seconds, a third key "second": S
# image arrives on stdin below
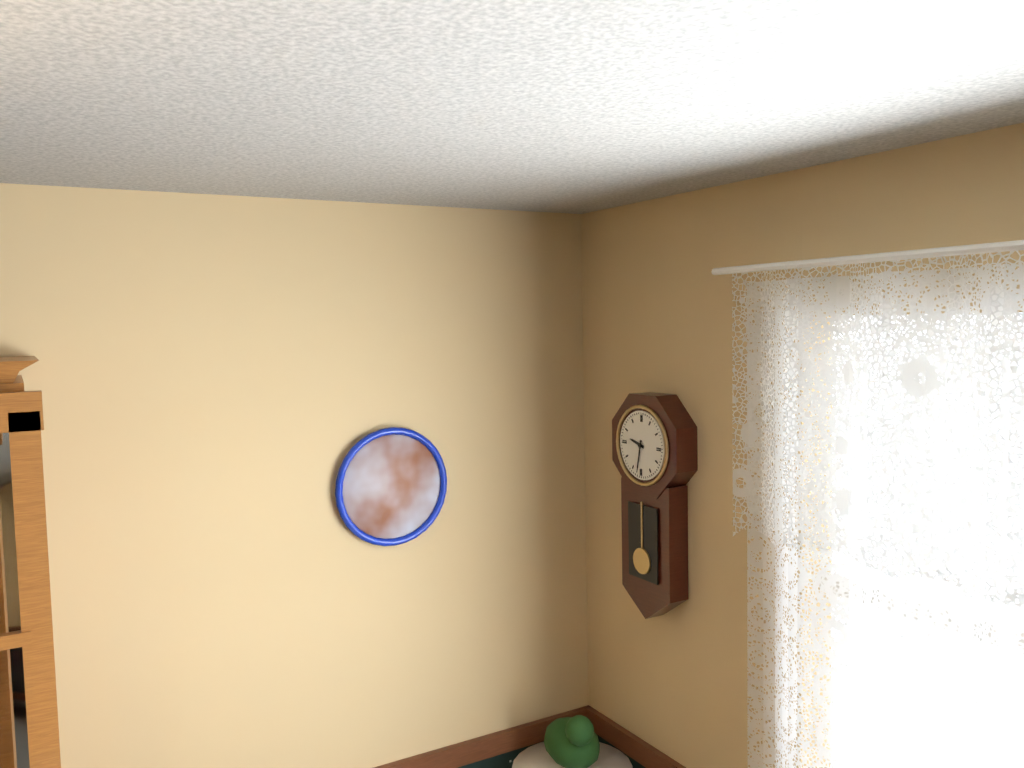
{"hour": 9, "minute": 32}
